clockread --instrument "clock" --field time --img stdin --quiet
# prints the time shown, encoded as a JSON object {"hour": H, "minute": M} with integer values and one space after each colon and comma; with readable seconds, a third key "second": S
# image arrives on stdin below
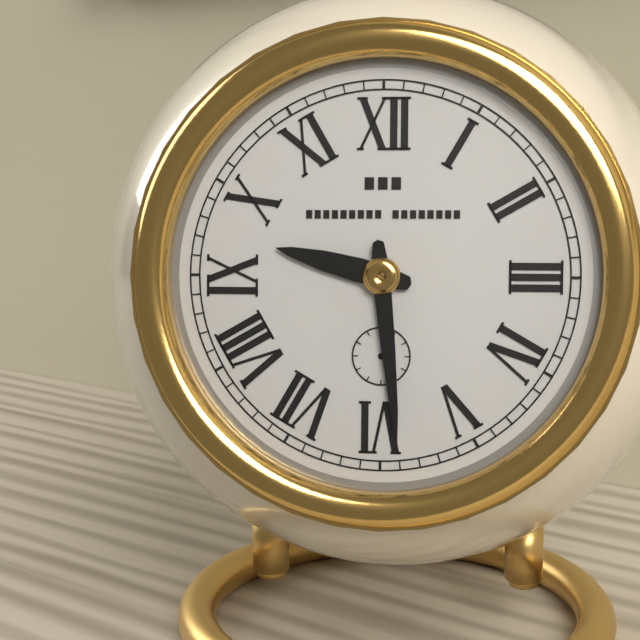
{"hour": 9, "minute": 29}
